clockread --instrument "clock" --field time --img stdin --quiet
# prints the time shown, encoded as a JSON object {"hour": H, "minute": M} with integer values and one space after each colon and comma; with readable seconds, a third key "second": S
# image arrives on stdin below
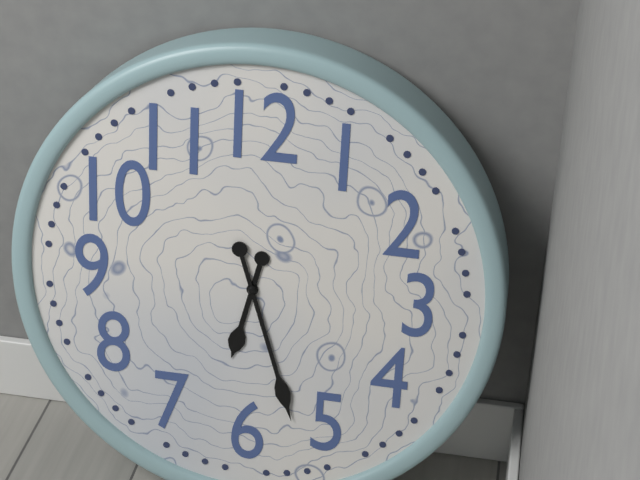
{"hour": 6, "minute": 27}
